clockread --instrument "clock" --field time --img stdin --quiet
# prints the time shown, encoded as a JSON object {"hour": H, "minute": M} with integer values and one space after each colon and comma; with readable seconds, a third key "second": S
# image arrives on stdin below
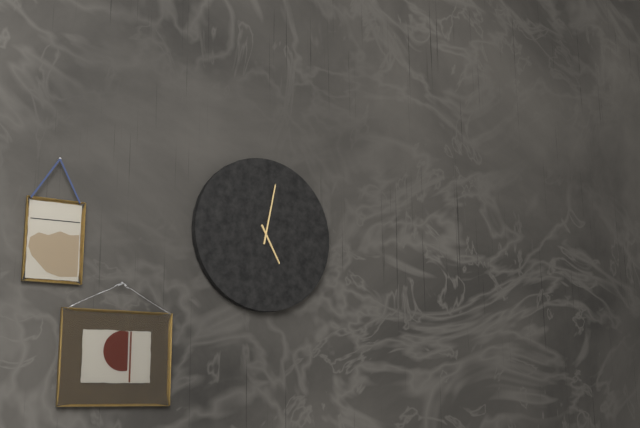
{"hour": 5, "minute": 2}
